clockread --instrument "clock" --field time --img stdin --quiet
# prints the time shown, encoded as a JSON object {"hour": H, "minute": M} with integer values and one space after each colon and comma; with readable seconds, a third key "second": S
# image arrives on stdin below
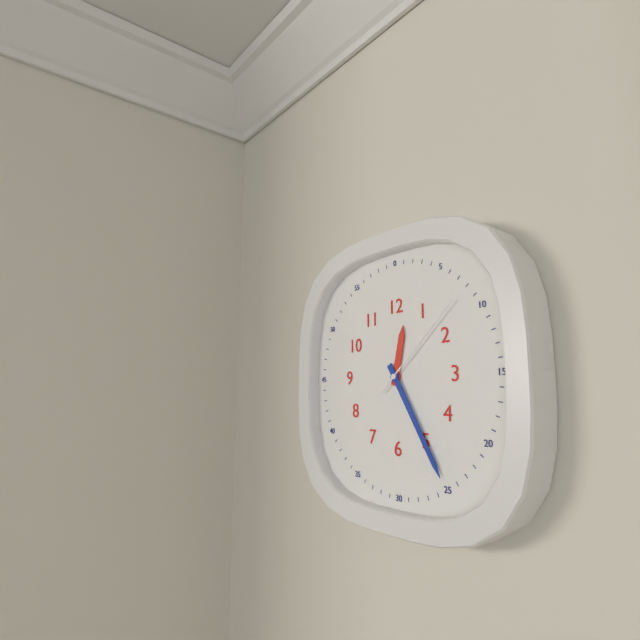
{"hour": 12, "minute": 25, "second": 8}
